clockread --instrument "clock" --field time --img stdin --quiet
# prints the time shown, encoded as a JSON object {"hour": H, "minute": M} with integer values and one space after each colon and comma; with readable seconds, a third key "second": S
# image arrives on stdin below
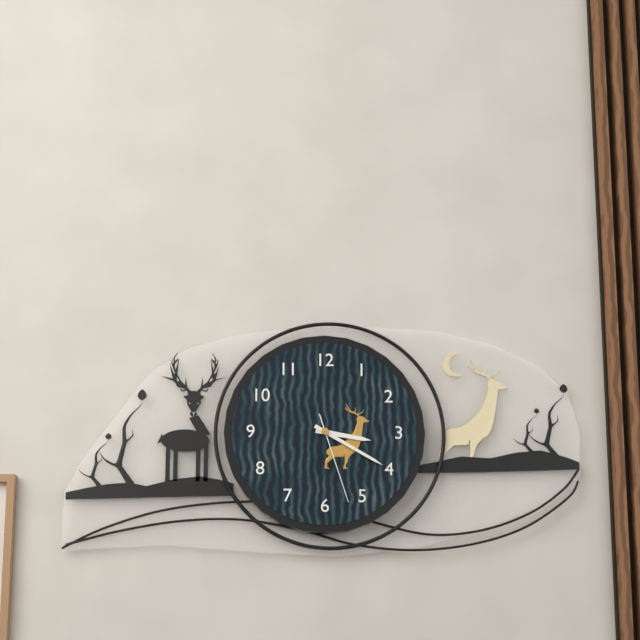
{"hour": 3, "minute": 20, "second": 27}
